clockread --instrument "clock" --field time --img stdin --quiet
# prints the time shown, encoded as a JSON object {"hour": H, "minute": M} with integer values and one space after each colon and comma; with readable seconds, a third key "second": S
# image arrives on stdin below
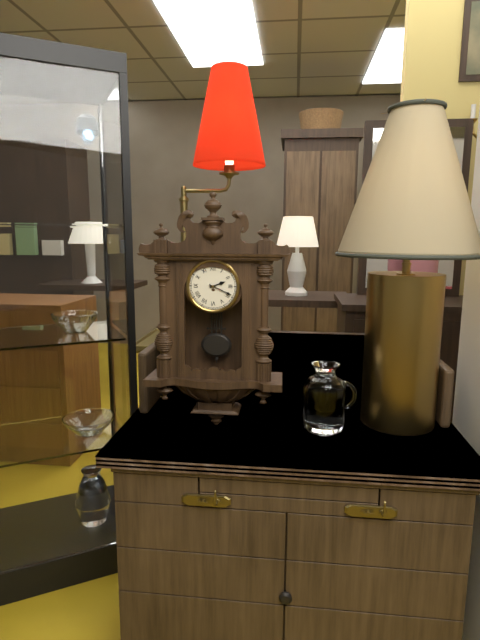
{"hour": 2, "minute": 19}
